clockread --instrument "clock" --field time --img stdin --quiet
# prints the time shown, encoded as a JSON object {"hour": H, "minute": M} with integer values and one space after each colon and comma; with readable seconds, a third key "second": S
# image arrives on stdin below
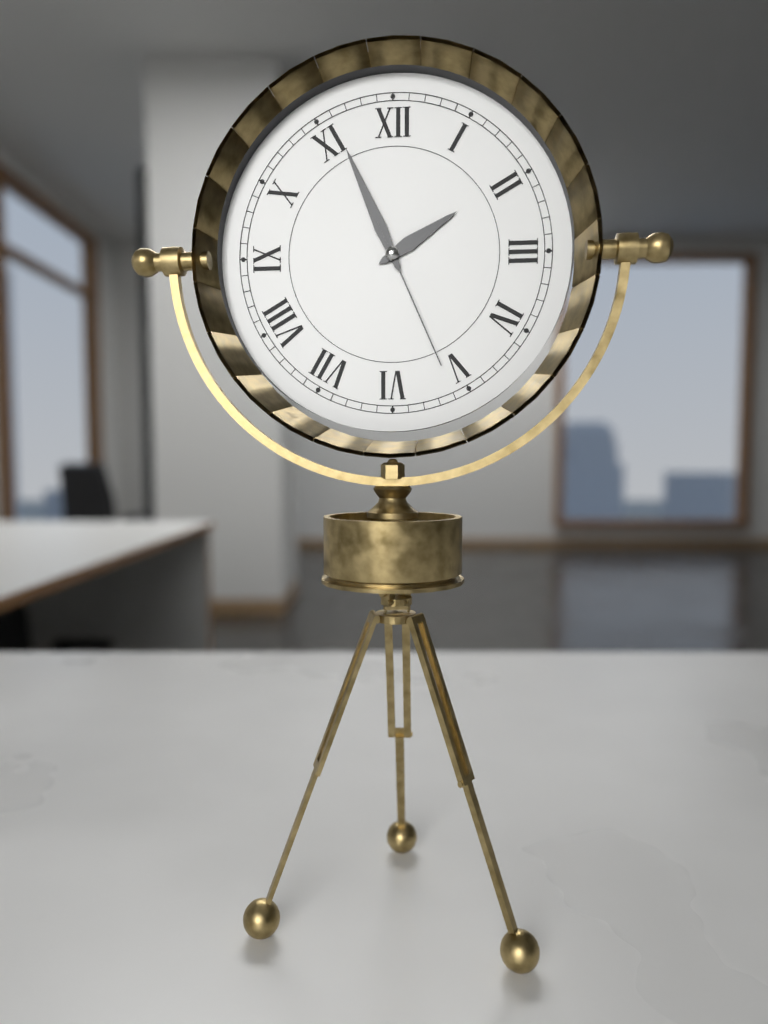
{"hour": 1, "minute": 56, "second": 26}
